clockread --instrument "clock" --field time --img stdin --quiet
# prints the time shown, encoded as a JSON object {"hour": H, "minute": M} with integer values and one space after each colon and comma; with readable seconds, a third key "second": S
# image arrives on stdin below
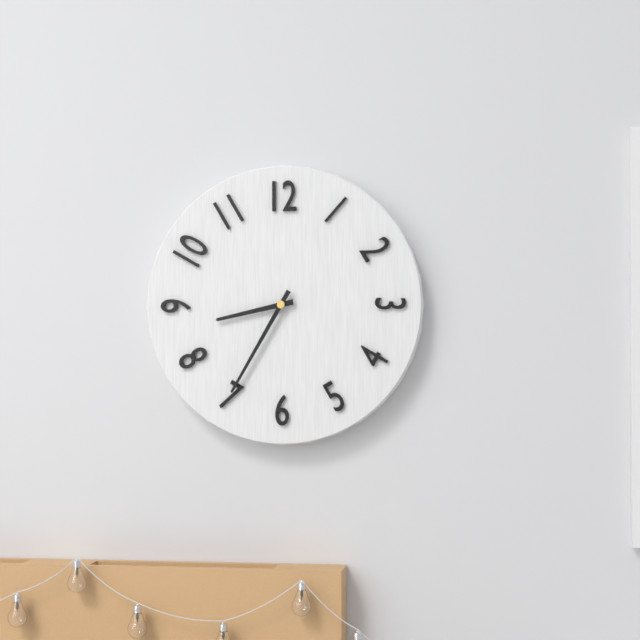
{"hour": 8, "minute": 35}
